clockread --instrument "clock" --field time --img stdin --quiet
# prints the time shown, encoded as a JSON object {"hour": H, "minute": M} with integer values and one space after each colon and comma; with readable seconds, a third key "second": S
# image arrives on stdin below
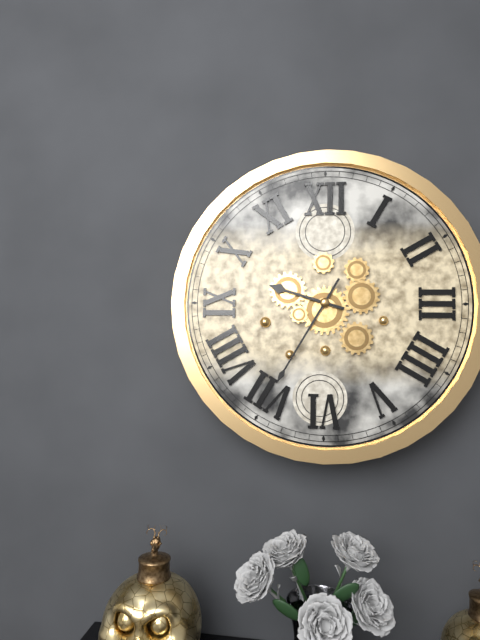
{"hour": 9, "minute": 35}
